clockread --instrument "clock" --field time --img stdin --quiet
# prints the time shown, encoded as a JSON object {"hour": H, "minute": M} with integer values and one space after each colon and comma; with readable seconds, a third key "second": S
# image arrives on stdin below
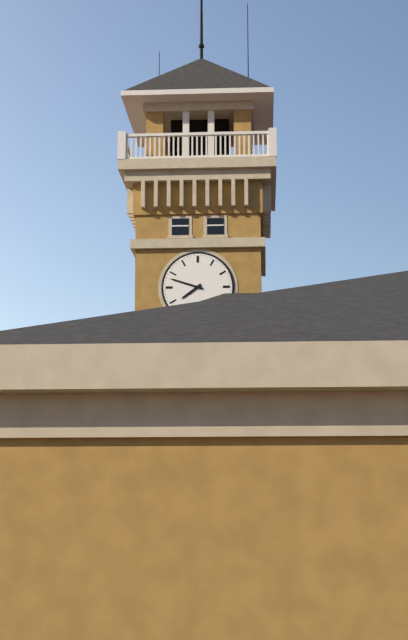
{"hour": 7, "minute": 48}
